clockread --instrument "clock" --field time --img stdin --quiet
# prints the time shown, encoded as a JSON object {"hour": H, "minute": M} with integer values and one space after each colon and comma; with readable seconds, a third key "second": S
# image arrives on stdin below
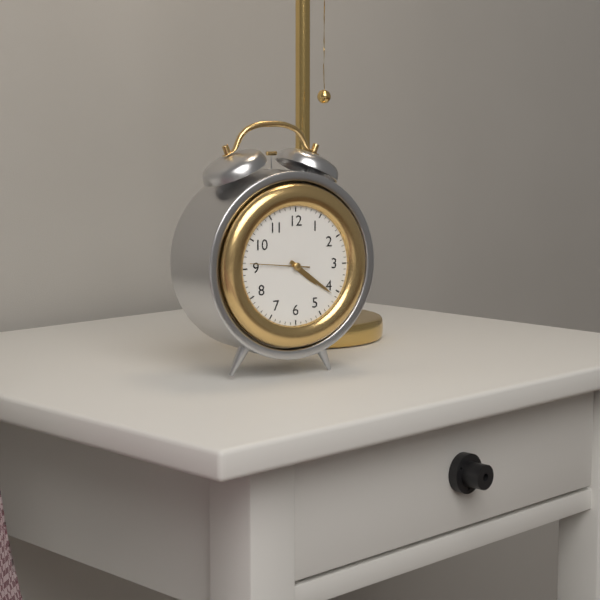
{"hour": 4, "minute": 21, "second": 46}
